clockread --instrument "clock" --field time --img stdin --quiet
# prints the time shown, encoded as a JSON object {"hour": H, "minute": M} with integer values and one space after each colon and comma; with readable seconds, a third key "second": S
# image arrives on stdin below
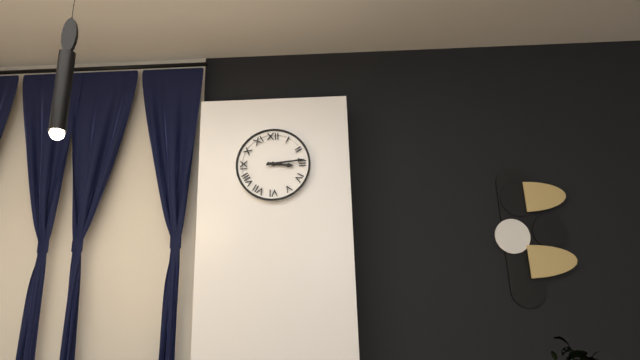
{"hour": 3, "minute": 14}
